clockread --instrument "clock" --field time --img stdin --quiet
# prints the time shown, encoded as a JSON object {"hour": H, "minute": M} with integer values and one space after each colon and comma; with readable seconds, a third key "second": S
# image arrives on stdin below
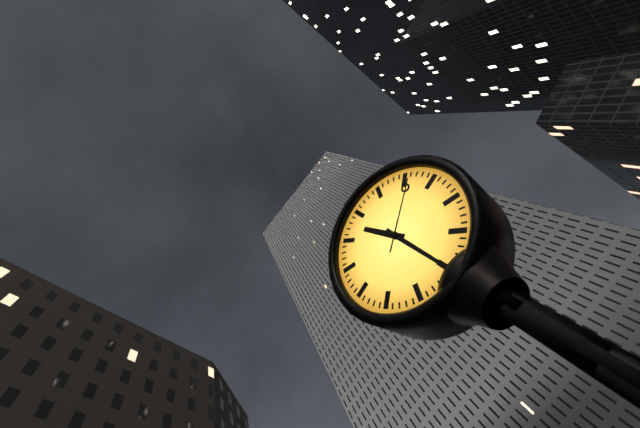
{"hour": 11, "minute": 30, "second": 11}
